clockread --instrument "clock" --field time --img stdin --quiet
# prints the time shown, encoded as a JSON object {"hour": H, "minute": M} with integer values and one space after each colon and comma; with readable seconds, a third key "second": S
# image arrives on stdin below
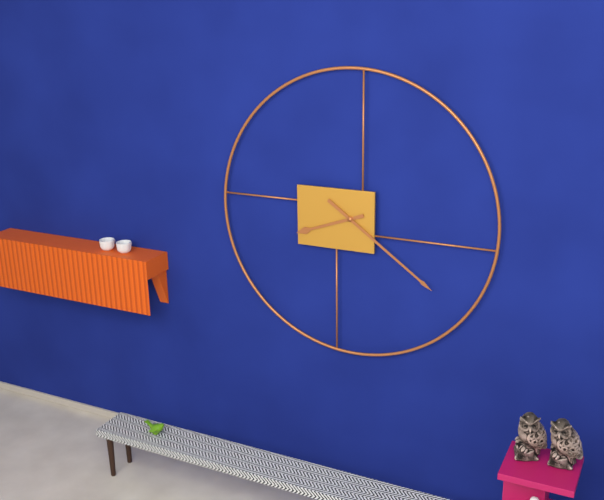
{"hour": 8, "minute": 21}
